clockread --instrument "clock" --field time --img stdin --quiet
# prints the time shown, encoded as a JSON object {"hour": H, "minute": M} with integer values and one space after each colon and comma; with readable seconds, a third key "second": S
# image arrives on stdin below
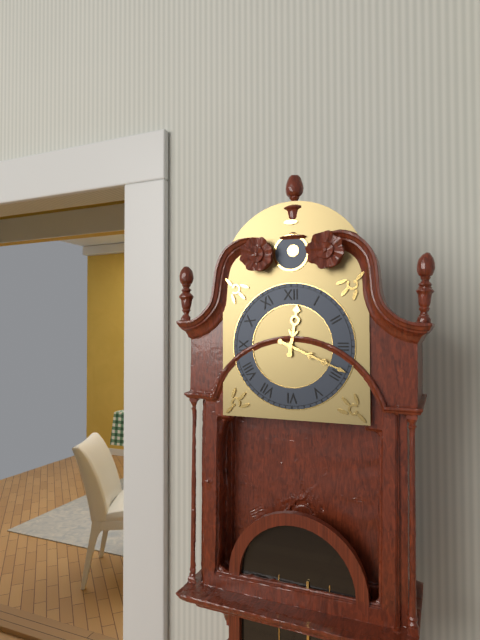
{"hour": 12, "minute": 19}
